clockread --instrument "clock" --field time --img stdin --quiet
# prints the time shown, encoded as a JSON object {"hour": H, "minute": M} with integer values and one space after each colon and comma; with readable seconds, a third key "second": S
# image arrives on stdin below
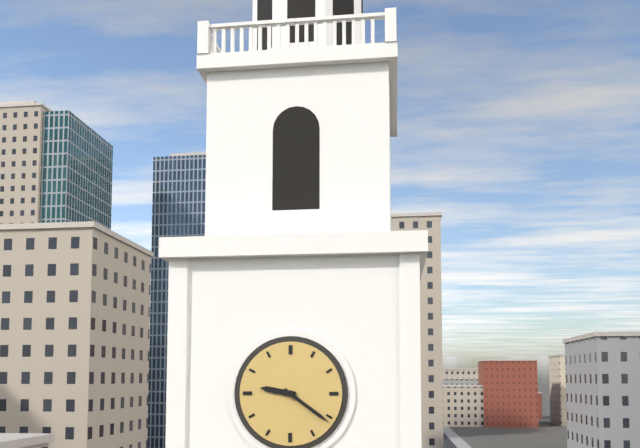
{"hour": 9, "minute": 21}
